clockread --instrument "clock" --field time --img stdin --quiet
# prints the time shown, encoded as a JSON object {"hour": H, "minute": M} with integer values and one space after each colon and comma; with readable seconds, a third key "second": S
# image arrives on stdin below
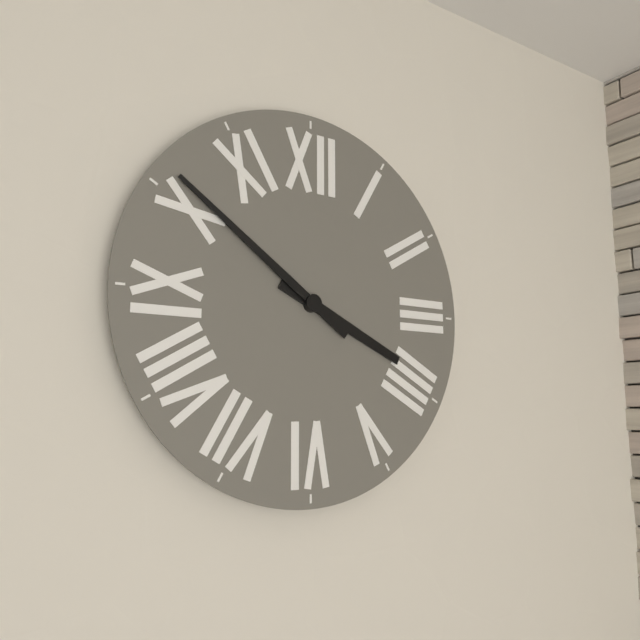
{"hour": 3, "minute": 51}
